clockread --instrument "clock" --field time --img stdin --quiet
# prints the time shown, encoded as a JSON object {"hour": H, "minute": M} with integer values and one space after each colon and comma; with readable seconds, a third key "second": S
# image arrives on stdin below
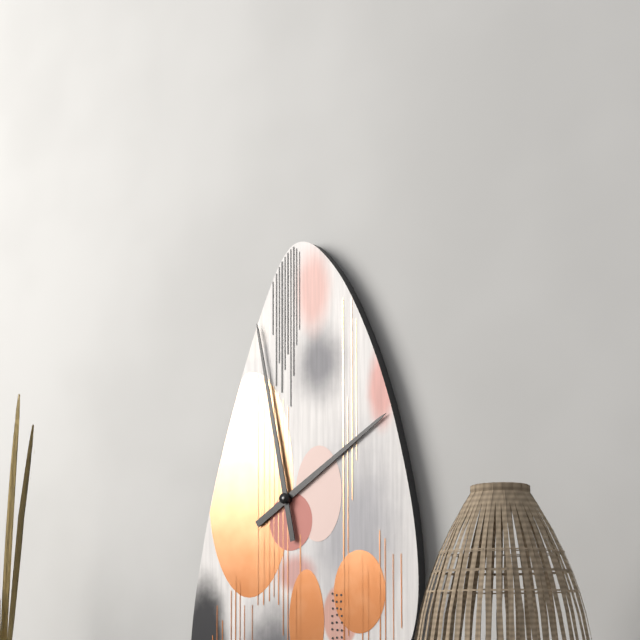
{"hour": 1, "minute": 58}
